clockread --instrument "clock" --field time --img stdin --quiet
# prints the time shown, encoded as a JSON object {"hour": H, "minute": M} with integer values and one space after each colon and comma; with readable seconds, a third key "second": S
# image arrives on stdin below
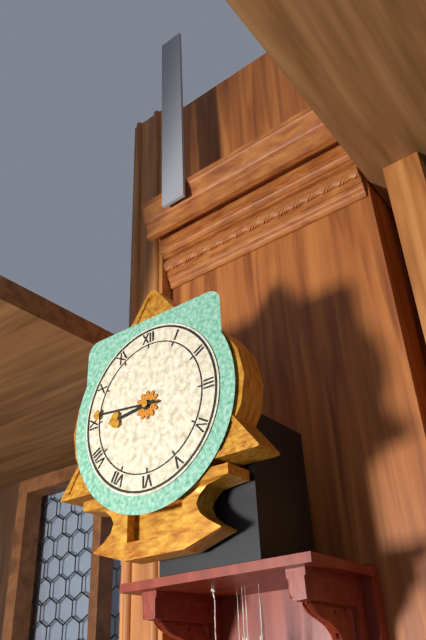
{"hour": 8, "minute": 46}
